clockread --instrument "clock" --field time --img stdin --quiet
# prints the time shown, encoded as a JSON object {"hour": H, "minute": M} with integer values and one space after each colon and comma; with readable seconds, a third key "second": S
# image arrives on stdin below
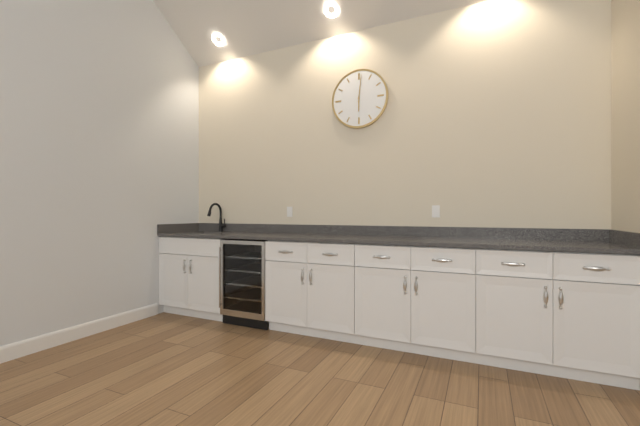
{"hour": 6, "minute": 1}
